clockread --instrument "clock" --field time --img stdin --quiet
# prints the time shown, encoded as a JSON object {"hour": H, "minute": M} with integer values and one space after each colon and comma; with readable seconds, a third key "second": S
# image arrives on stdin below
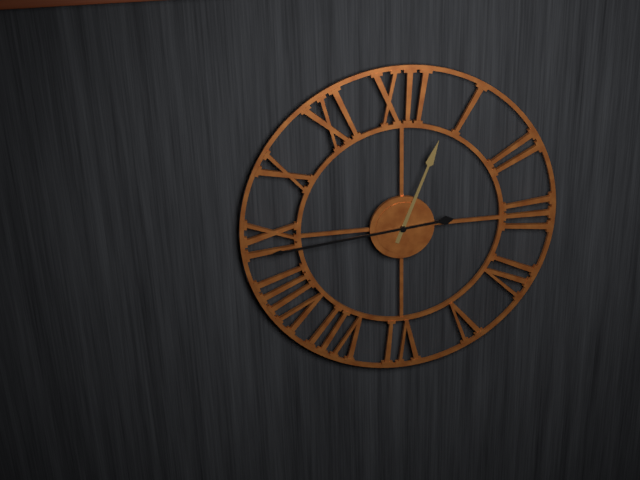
{"hour": 12, "minute": 44}
